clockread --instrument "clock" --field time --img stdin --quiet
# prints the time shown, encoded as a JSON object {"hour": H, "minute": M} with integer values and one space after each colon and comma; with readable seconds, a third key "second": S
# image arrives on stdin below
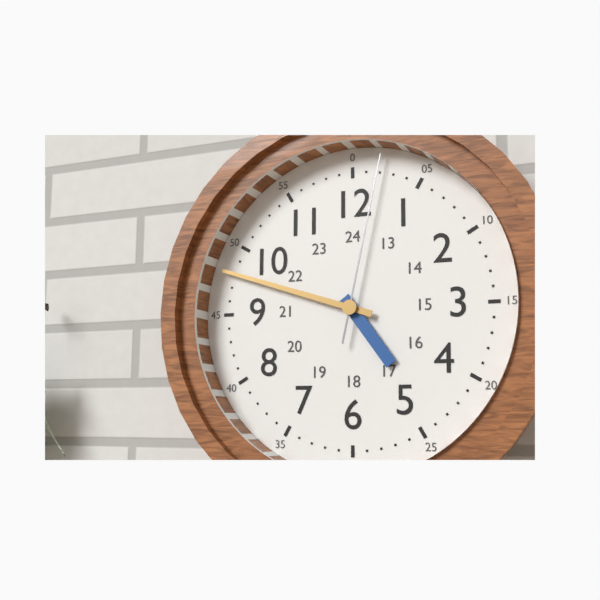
{"hour": 4, "minute": 48, "second": 2}
